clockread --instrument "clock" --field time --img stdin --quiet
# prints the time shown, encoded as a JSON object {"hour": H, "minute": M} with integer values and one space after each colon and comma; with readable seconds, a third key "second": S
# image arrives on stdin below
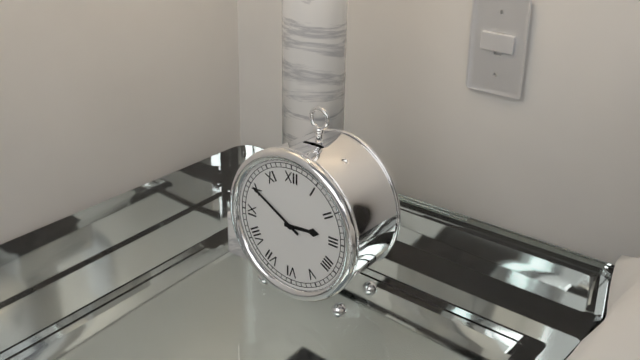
{"hour": 2, "minute": 50}
